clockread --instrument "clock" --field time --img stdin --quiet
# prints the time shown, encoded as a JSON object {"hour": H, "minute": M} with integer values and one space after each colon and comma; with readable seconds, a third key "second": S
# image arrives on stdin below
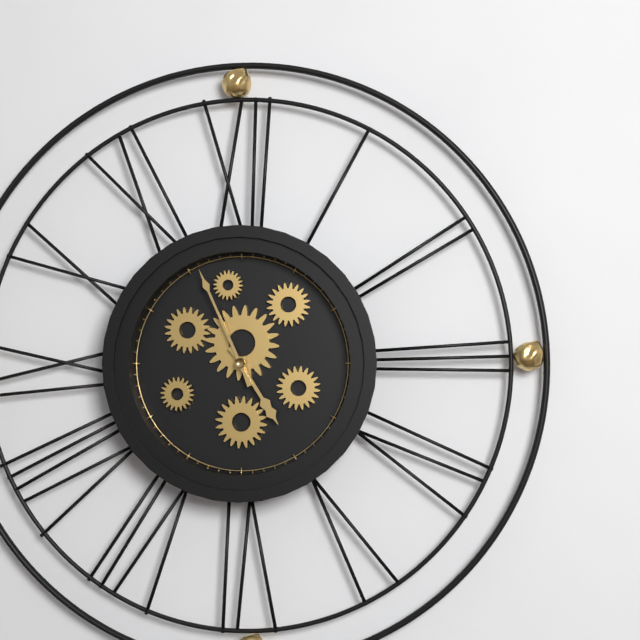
{"hour": 4, "minute": 56}
